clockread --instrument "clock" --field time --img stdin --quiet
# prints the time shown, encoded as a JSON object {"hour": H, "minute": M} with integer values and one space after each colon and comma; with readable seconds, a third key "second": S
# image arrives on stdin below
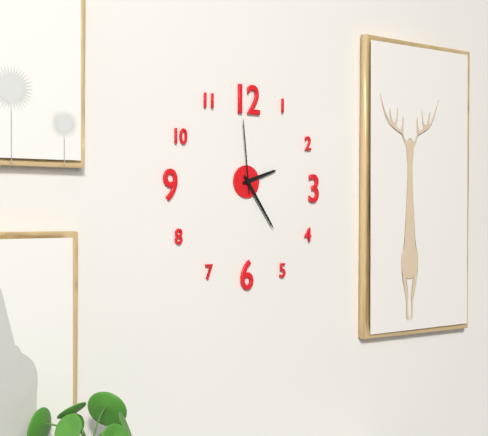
{"hour": 2, "minute": 24, "second": 59}
